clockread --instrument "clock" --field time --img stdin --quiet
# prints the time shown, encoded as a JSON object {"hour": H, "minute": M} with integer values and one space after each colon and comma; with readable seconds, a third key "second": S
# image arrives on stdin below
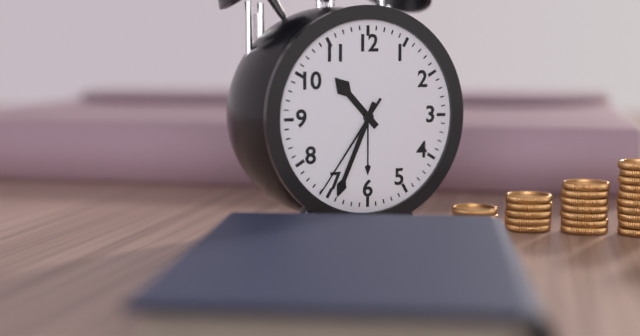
{"hour": 10, "minute": 34, "second": 36}
